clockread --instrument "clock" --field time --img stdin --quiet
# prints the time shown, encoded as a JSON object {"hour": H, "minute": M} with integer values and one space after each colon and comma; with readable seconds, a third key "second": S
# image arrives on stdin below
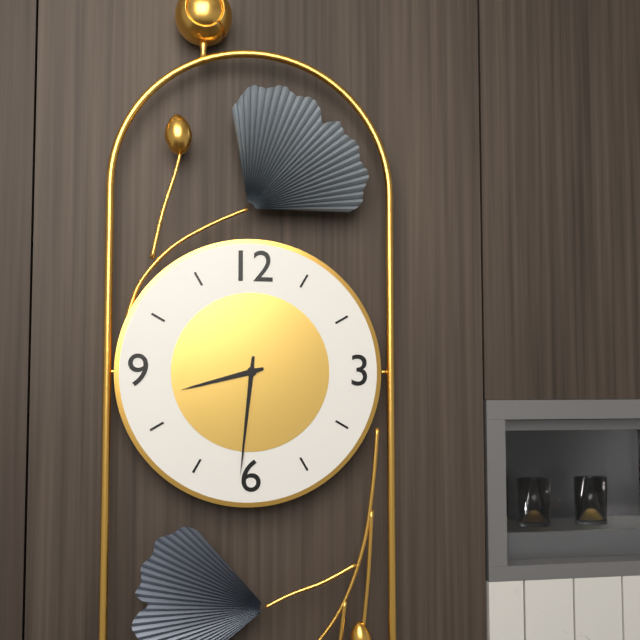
{"hour": 8, "minute": 31}
